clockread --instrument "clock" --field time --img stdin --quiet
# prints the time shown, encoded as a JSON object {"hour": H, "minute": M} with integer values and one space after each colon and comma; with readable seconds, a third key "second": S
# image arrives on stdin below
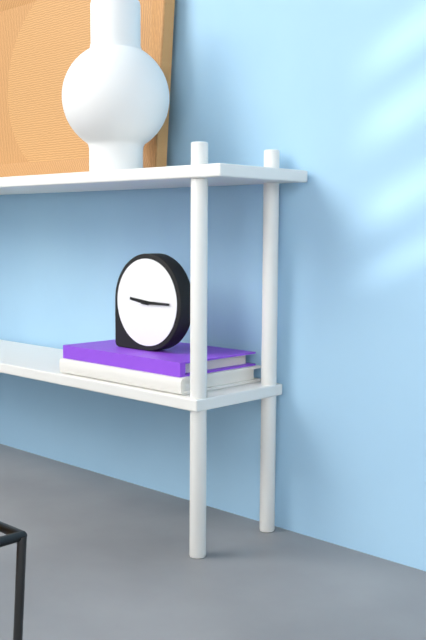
{"hour": 9, "minute": 15}
